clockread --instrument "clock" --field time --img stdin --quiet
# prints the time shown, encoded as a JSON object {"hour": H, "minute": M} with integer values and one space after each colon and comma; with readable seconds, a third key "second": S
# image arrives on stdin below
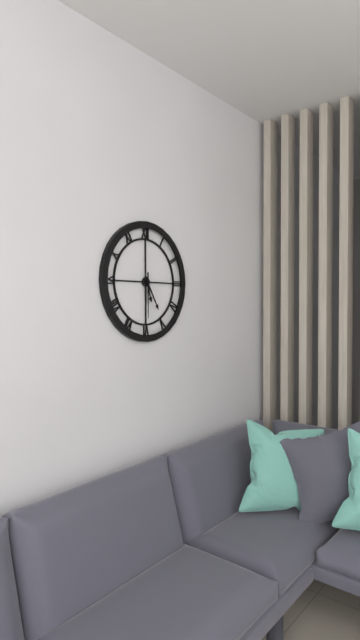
{"hour": 5, "minute": 25}
